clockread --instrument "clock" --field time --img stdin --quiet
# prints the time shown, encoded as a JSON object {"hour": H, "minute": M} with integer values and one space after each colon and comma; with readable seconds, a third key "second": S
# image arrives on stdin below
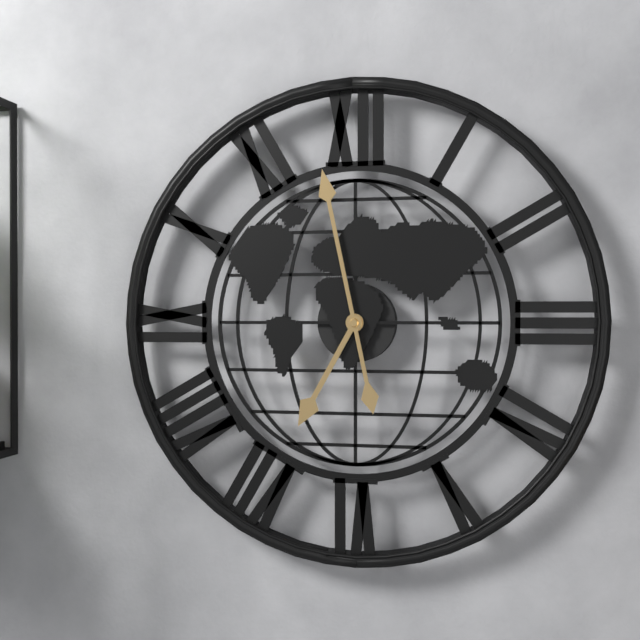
{"hour": 6, "minute": 58}
